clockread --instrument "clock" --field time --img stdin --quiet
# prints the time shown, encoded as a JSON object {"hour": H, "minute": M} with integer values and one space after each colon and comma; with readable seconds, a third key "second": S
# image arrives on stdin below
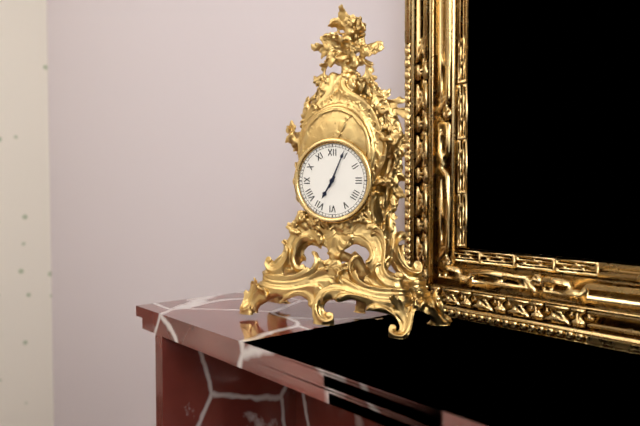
{"hour": 7, "minute": 4}
